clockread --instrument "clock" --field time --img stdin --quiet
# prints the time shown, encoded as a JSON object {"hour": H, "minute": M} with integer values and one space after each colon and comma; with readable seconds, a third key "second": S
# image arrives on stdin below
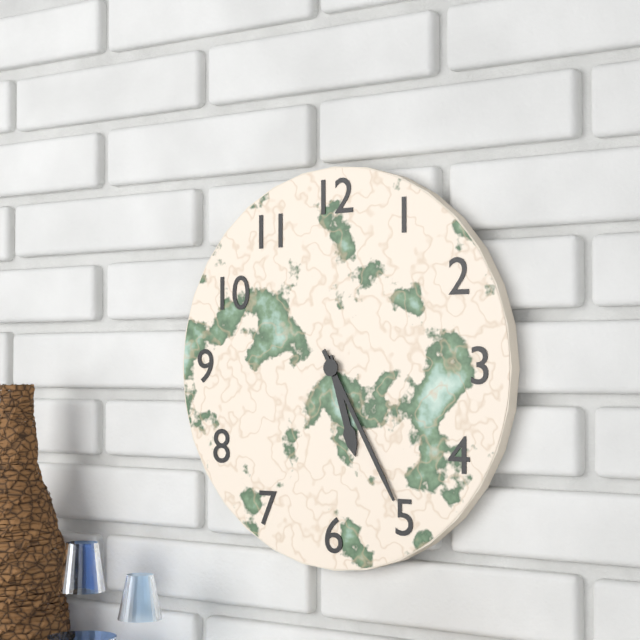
{"hour": 5, "minute": 25}
